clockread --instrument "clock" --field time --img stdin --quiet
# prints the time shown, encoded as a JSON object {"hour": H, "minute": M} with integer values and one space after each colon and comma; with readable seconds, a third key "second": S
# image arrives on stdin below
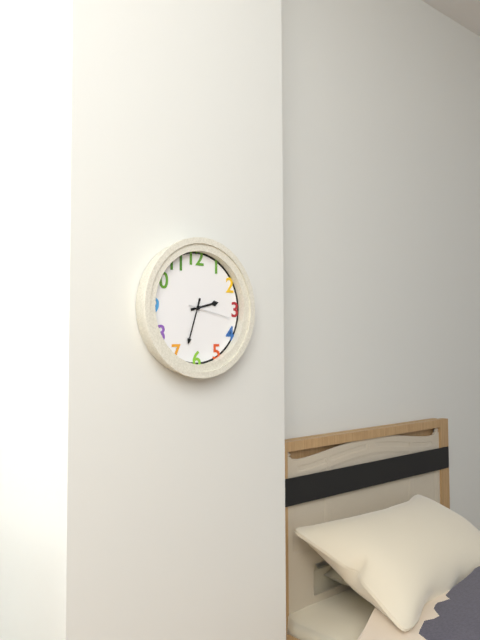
{"hour": 2, "minute": 33}
